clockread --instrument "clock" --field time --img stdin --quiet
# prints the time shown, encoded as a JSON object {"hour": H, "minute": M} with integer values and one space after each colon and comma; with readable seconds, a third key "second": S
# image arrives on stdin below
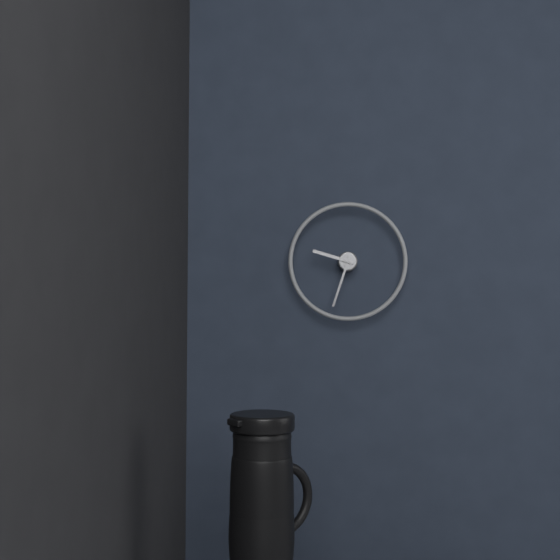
{"hour": 9, "minute": 33}
